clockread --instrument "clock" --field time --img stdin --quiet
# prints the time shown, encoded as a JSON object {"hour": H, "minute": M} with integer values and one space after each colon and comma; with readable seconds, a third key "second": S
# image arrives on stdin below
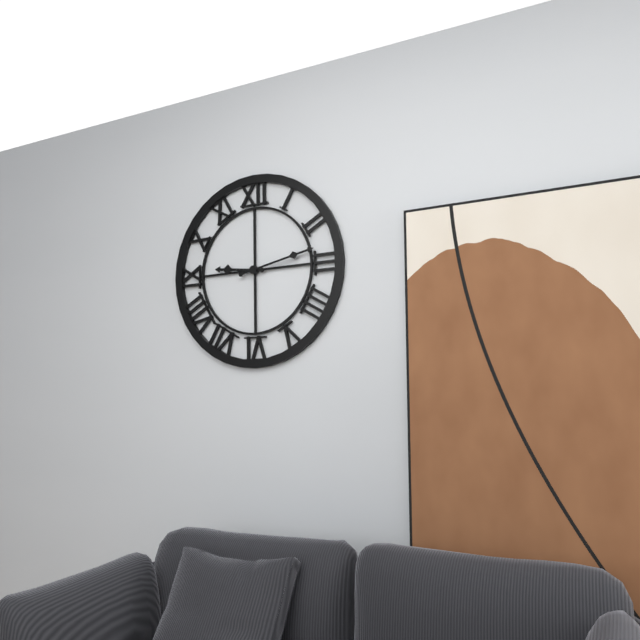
{"hour": 9, "minute": 13}
